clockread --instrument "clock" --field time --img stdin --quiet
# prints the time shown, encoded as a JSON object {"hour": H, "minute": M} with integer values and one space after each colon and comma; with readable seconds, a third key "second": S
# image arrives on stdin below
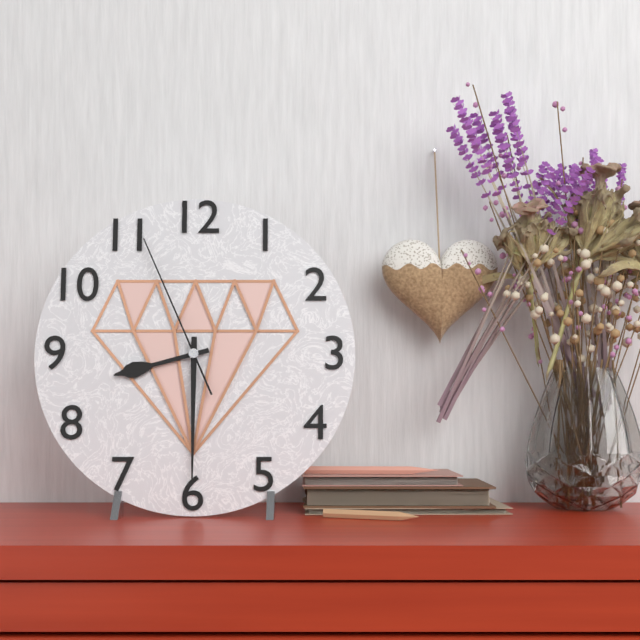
{"hour": 8, "minute": 30, "second": 56}
